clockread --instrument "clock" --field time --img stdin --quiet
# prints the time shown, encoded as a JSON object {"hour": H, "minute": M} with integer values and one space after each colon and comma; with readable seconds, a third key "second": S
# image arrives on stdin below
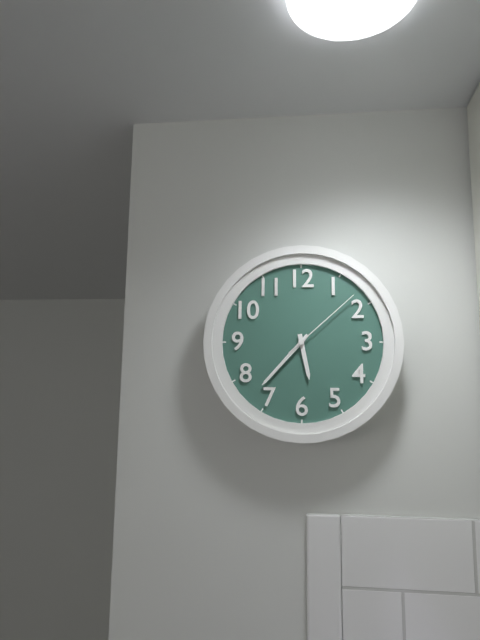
{"hour": 5, "minute": 37, "second": 8}
